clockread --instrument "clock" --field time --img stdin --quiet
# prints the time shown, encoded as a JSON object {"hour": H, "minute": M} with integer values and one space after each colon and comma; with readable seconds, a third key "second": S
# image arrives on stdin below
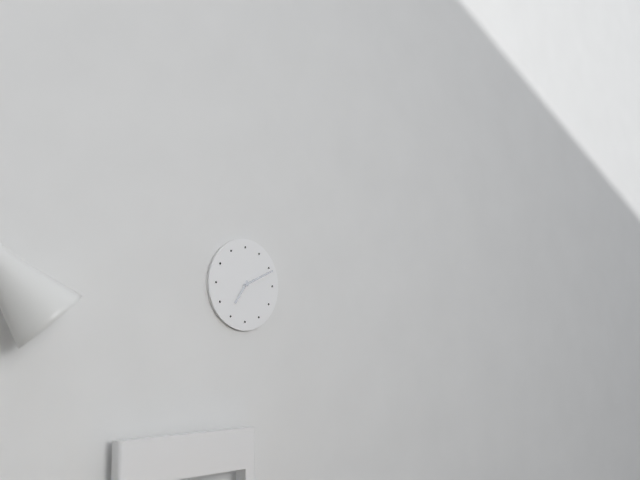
{"hour": 7, "minute": 11}
